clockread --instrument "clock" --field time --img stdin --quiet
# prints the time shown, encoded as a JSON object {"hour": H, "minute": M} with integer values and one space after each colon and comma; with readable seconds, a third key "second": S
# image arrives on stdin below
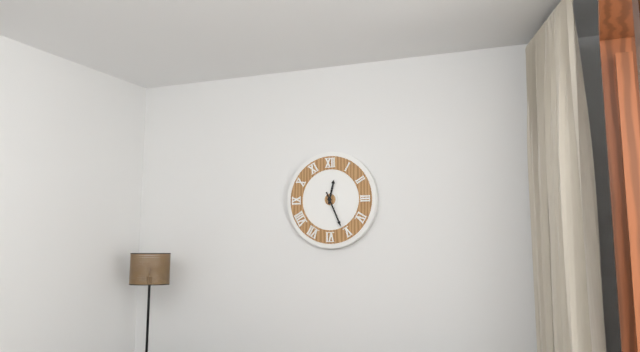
{"hour": 12, "minute": 26}
